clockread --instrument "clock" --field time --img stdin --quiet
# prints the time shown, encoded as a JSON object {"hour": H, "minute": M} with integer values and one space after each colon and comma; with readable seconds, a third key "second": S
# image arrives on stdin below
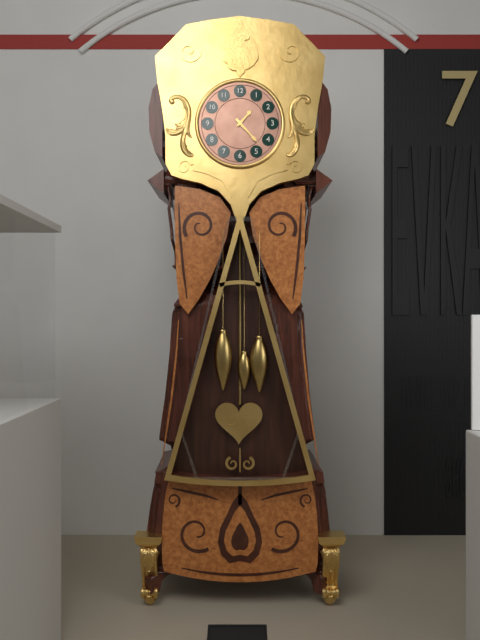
{"hour": 1, "minute": 23}
